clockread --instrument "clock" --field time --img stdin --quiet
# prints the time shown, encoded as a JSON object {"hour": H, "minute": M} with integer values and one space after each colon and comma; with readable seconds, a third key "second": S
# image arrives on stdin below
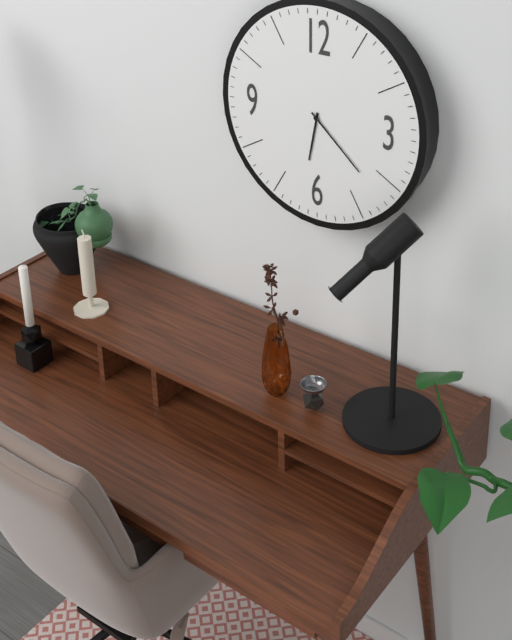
{"hour": 6, "minute": 22}
